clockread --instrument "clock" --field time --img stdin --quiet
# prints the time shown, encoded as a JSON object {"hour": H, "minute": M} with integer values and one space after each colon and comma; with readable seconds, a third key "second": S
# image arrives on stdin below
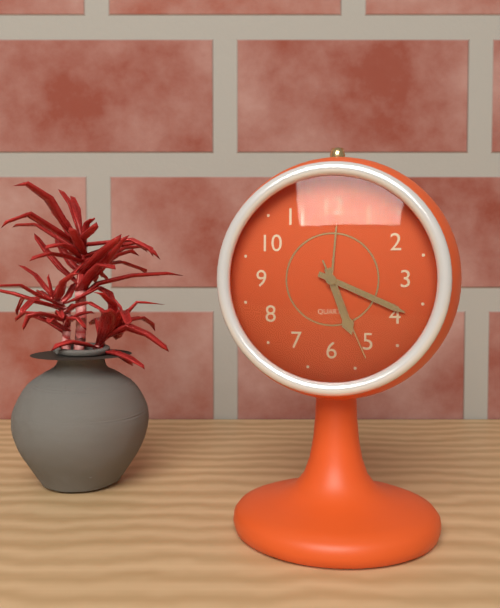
{"hour": 5, "minute": 19, "second": 26}
